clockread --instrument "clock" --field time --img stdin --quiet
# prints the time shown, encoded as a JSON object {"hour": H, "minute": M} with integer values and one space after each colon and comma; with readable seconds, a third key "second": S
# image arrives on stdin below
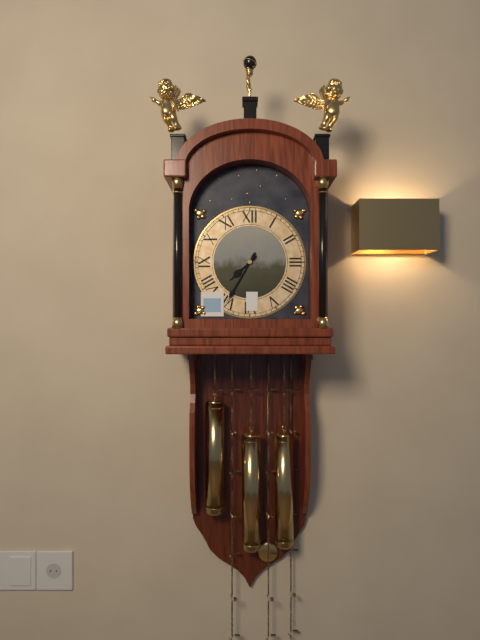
{"hour": 7, "minute": 35}
